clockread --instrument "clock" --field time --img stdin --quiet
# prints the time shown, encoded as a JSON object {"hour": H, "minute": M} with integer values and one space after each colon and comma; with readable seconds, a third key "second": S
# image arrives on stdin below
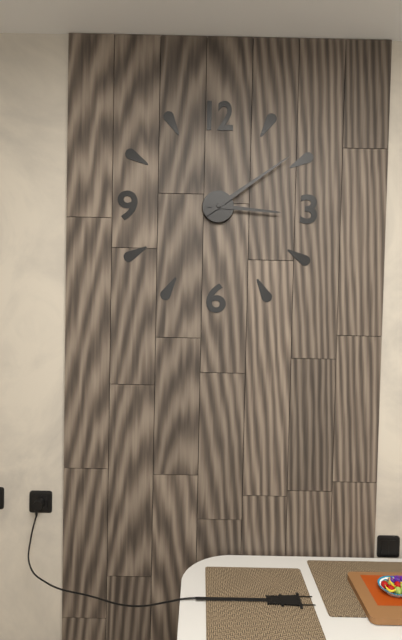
{"hour": 3, "minute": 9}
